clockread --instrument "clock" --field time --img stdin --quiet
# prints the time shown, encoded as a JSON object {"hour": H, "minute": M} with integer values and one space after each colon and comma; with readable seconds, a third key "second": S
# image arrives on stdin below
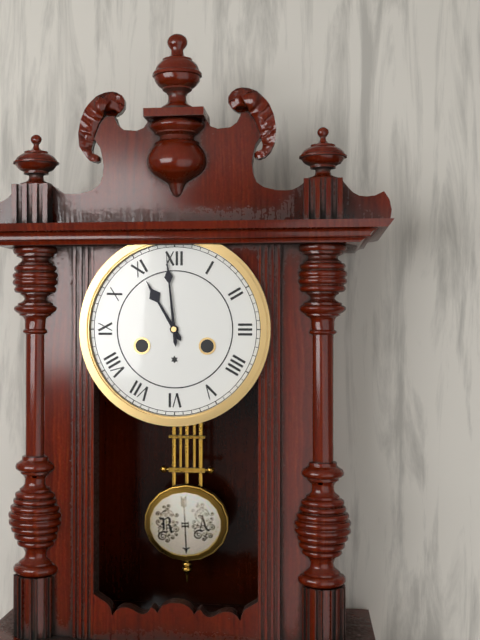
{"hour": 10, "minute": 59}
